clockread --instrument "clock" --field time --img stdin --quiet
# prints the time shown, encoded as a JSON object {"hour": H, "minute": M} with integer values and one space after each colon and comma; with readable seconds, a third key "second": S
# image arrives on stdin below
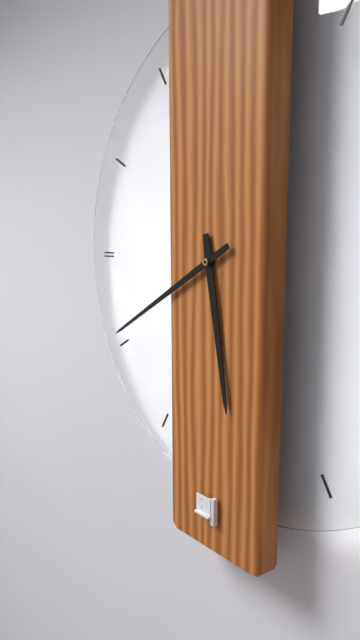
{"hour": 5, "minute": 40}
